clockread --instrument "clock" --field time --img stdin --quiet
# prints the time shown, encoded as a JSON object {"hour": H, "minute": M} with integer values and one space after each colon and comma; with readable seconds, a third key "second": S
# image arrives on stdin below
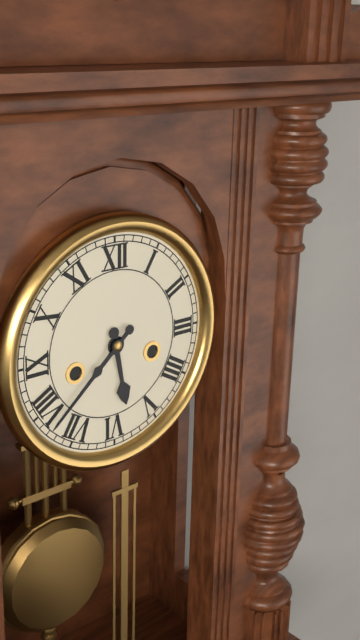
{"hour": 5, "minute": 38}
